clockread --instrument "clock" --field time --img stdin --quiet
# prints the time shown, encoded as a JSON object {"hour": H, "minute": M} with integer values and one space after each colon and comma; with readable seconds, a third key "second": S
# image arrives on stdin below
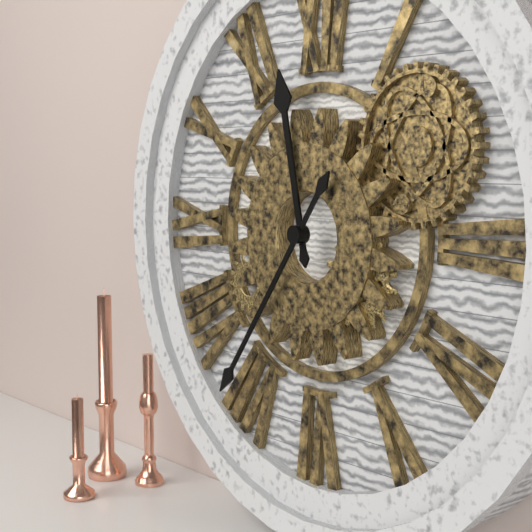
{"hour": 11, "minute": 36}
